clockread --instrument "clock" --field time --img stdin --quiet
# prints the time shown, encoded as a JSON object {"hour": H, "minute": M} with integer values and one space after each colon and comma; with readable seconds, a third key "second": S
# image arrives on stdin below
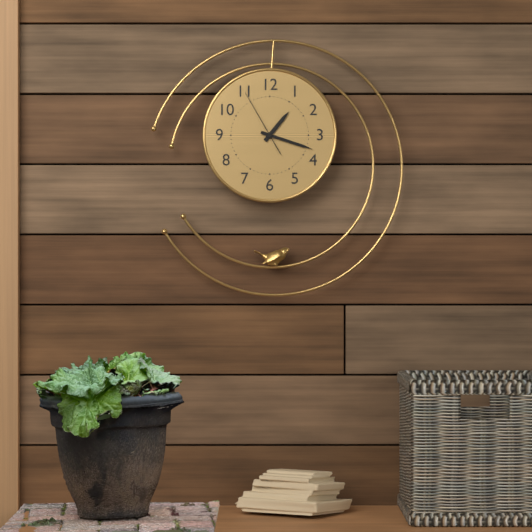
{"hour": 1, "minute": 18, "second": 55}
